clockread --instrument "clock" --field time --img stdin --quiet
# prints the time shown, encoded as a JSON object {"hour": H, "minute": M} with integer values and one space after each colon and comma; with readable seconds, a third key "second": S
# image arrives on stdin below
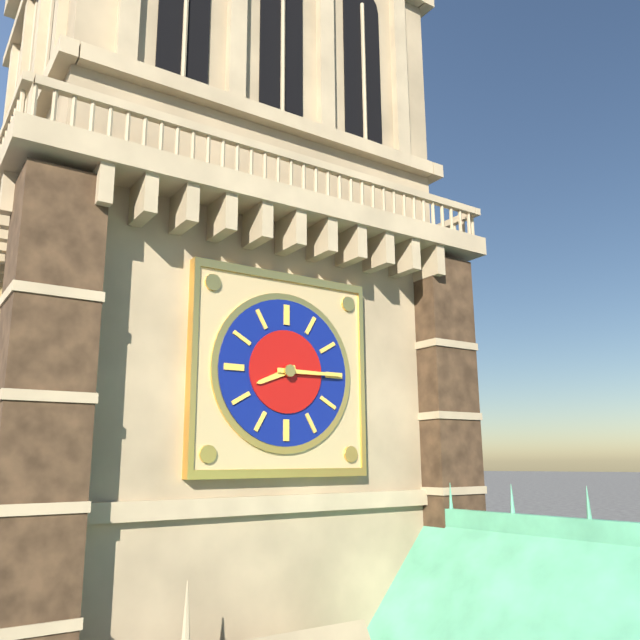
{"hour": 8, "minute": 15}
